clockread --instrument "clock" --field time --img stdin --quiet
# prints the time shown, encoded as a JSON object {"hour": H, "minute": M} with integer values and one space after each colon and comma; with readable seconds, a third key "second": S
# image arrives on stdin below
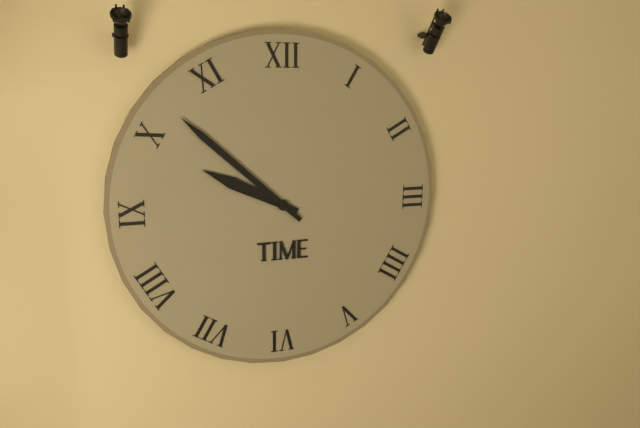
{"hour": 9, "minute": 52}
